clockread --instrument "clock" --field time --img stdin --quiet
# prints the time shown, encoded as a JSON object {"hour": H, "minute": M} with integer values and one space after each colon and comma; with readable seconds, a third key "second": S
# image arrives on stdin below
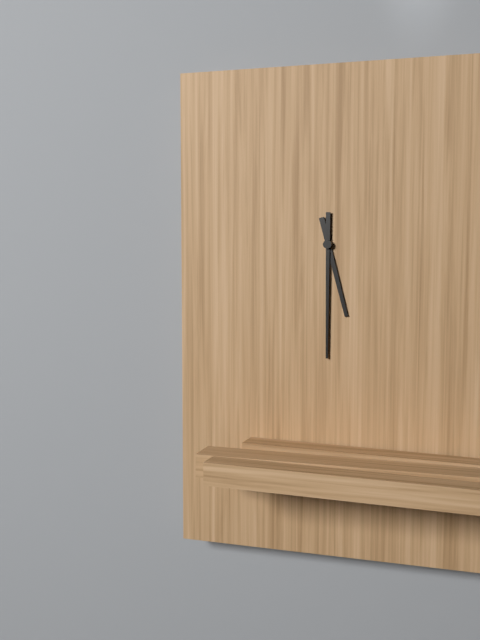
{"hour": 5, "minute": 30}
